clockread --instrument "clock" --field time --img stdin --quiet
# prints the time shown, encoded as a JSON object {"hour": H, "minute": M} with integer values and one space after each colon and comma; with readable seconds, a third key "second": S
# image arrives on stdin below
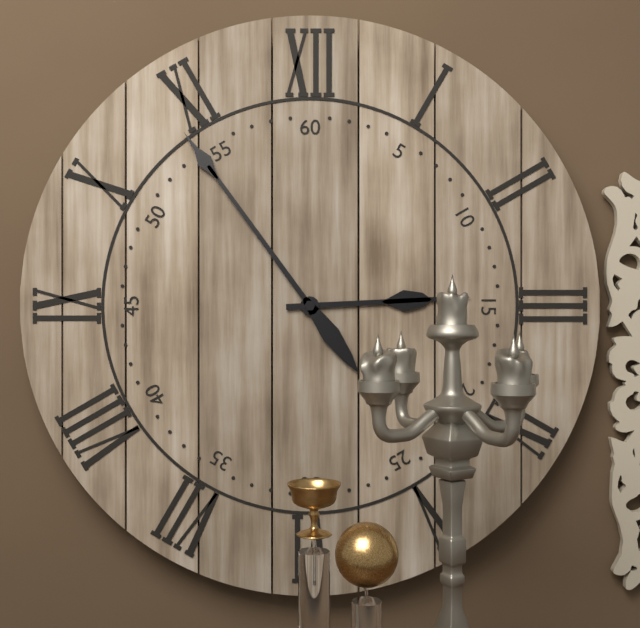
{"hour": 2, "minute": 54}
